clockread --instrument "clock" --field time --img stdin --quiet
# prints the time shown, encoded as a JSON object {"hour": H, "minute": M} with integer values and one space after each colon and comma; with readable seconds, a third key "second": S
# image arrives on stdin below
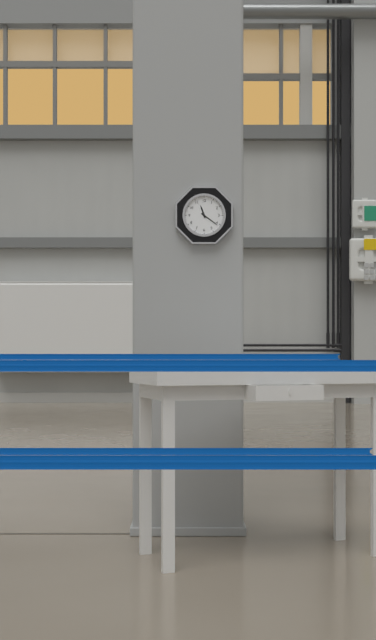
{"hour": 11, "minute": 21}
